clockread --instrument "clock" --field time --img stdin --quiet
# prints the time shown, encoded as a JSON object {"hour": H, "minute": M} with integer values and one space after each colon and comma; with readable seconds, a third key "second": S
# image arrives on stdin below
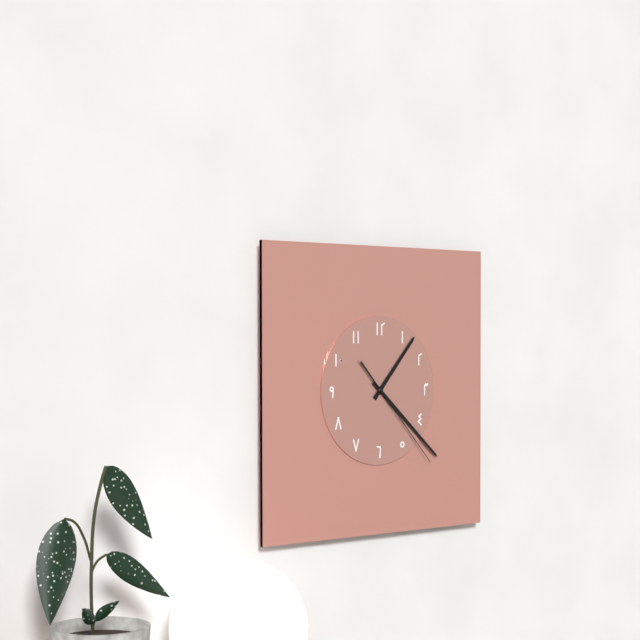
{"hour": 1, "minute": 22, "second": 23}
